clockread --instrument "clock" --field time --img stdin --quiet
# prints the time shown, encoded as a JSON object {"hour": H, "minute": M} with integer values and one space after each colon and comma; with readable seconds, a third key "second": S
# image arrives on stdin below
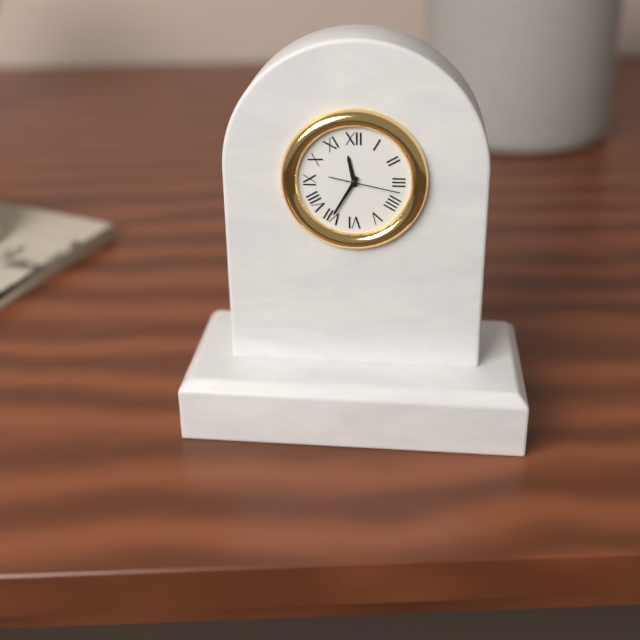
{"hour": 11, "minute": 35, "second": 17}
